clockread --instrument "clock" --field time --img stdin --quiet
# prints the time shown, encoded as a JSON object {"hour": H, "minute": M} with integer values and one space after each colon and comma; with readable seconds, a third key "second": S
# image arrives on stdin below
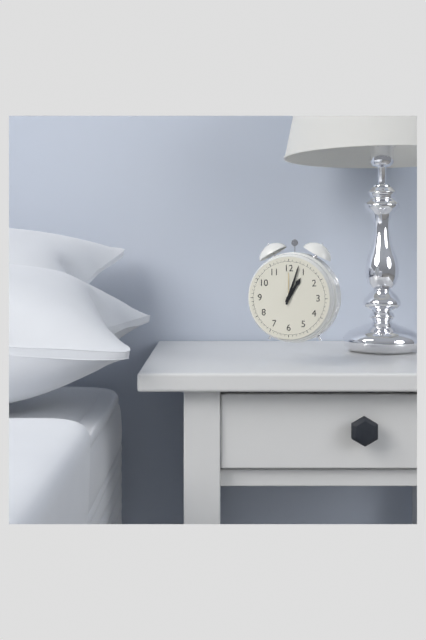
{"hour": 1, "minute": 3}
